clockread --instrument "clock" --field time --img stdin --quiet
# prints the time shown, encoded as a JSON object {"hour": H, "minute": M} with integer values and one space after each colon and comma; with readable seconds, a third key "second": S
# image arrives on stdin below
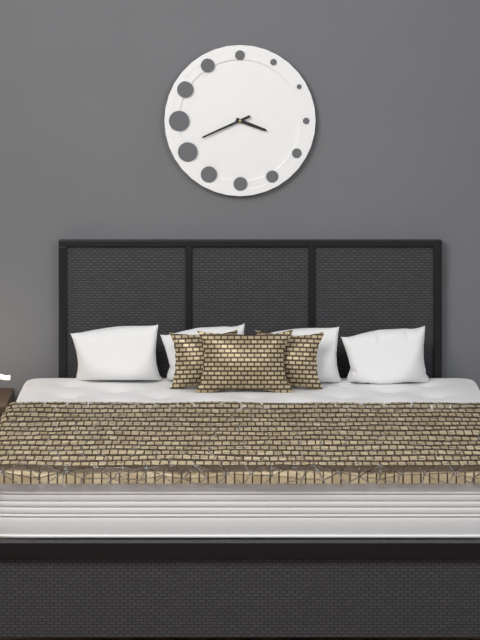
{"hour": 3, "minute": 41}
